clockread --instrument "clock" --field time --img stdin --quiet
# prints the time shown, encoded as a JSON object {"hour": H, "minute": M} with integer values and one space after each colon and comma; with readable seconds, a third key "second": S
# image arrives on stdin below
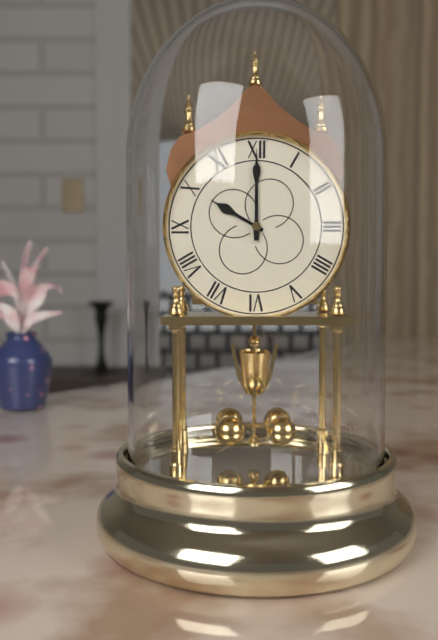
{"hour": 10, "minute": 0}
